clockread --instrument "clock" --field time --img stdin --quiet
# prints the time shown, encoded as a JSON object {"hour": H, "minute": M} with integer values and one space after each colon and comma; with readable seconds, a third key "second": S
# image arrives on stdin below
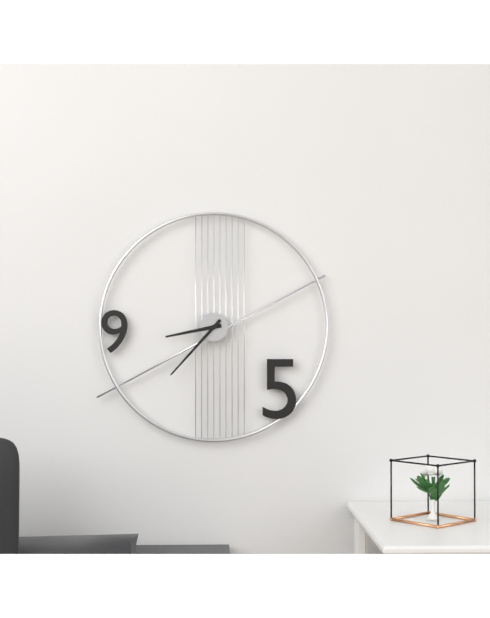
{"hour": 8, "minute": 37}
